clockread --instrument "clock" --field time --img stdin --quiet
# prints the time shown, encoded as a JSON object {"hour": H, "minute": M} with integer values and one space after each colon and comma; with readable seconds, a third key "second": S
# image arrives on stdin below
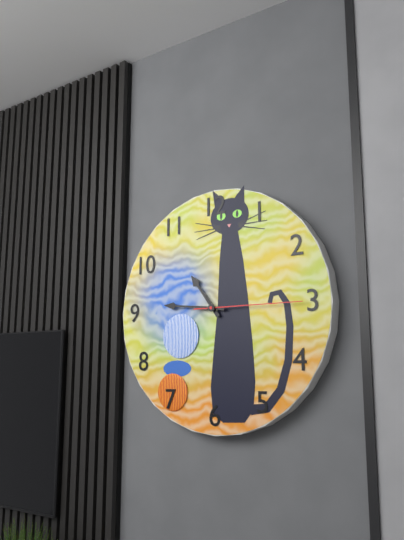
{"hour": 10, "minute": 46, "second": 15}
